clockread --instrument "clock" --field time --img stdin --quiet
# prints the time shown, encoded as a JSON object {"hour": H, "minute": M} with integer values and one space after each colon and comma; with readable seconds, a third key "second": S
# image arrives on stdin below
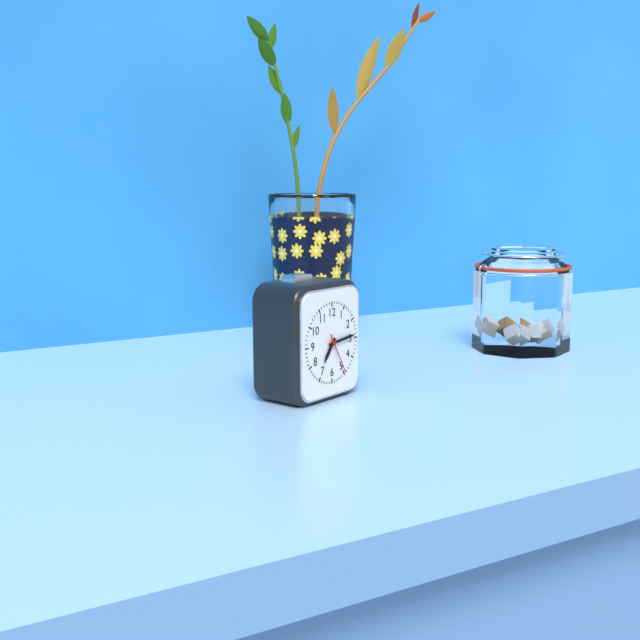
{"hour": 7, "minute": 14}
